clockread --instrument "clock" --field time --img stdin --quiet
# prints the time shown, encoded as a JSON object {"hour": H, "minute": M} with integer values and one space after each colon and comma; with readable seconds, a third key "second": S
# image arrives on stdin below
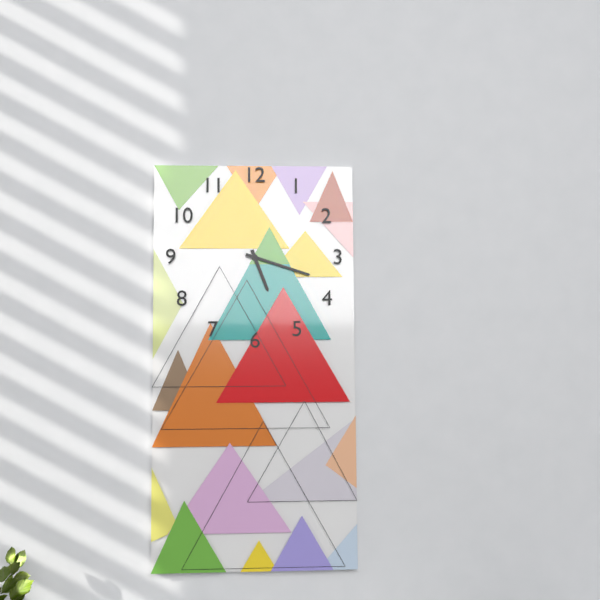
{"hour": 5, "minute": 18}
